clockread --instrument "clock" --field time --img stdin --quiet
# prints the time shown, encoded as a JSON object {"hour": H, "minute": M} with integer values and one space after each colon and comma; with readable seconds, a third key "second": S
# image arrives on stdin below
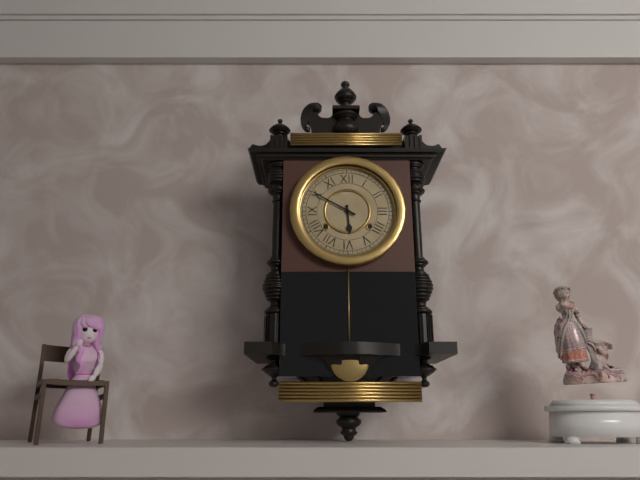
{"hour": 5, "minute": 50}
